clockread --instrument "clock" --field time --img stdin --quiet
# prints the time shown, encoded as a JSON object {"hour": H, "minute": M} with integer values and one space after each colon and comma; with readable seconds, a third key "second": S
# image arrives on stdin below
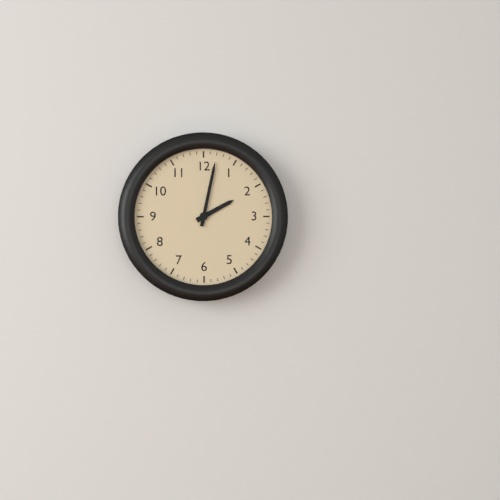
{"hour": 2, "minute": 2}
